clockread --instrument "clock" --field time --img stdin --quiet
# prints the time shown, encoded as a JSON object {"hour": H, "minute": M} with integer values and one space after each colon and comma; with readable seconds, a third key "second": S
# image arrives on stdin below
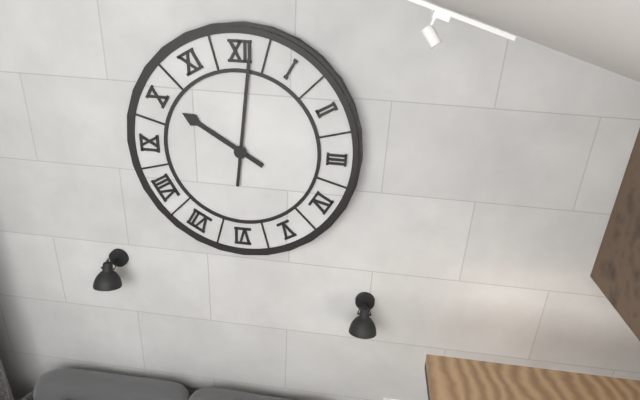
{"hour": 10, "minute": 1}
